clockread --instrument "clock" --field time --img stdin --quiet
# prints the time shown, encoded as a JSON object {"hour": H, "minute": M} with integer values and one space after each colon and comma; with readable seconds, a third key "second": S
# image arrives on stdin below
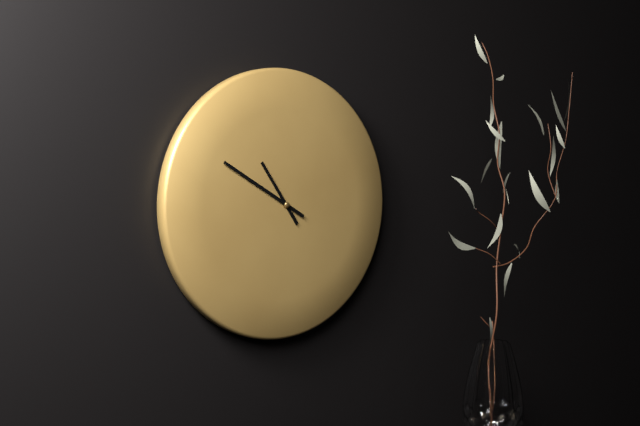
{"hour": 10, "minute": 50}
